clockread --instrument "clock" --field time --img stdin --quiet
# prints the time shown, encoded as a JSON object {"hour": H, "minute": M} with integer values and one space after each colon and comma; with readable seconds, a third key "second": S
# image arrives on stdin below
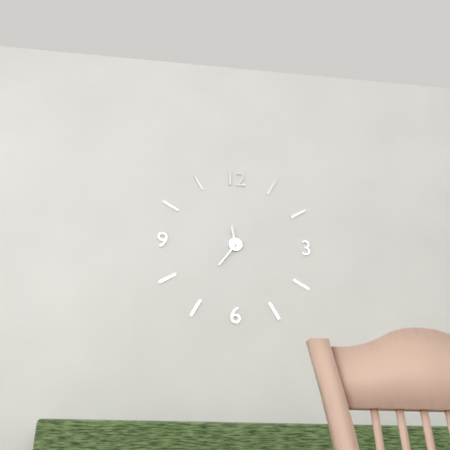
{"hour": 11, "minute": 36}
